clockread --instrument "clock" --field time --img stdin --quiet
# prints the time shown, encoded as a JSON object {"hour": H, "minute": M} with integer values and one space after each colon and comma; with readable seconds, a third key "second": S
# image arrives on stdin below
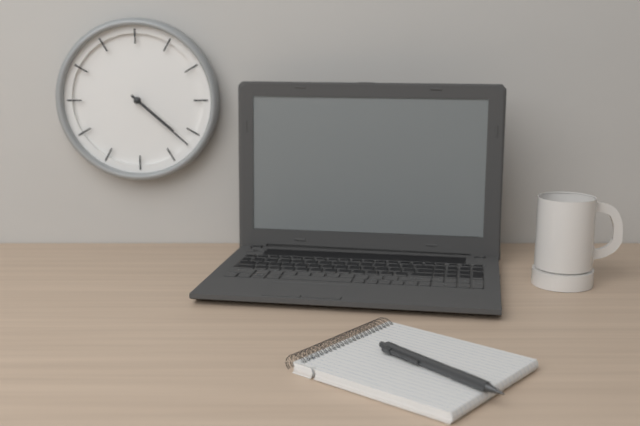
{"hour": 4, "minute": 22}
